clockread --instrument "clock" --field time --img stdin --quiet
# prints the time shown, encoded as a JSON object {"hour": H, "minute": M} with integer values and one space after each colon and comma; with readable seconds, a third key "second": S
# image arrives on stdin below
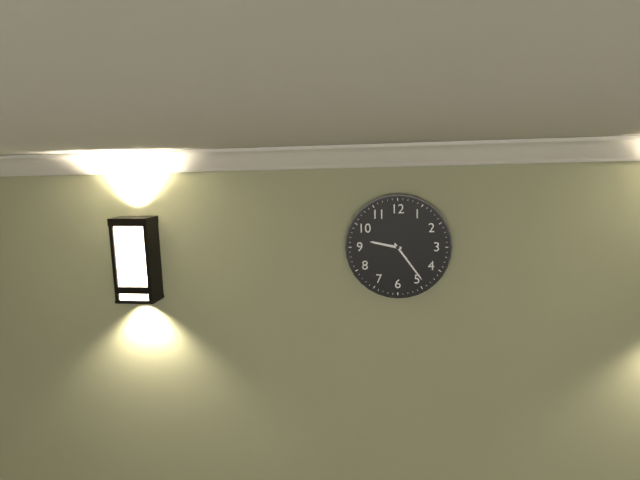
{"hour": 9, "minute": 24}
